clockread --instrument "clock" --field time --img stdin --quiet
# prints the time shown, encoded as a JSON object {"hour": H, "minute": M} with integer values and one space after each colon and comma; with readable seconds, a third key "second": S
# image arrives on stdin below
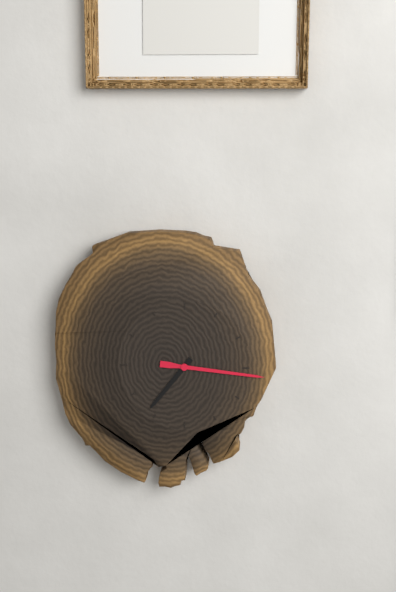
{"hour": 7, "minute": 16}
